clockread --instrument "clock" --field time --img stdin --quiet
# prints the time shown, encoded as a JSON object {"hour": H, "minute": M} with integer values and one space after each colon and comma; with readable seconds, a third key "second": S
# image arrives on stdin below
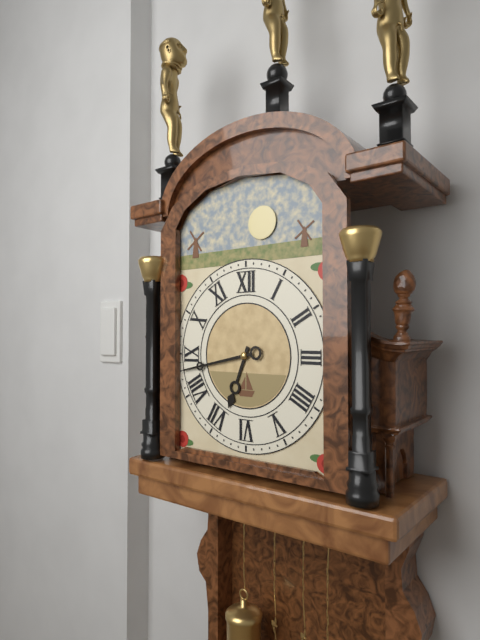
{"hour": 6, "minute": 43}
